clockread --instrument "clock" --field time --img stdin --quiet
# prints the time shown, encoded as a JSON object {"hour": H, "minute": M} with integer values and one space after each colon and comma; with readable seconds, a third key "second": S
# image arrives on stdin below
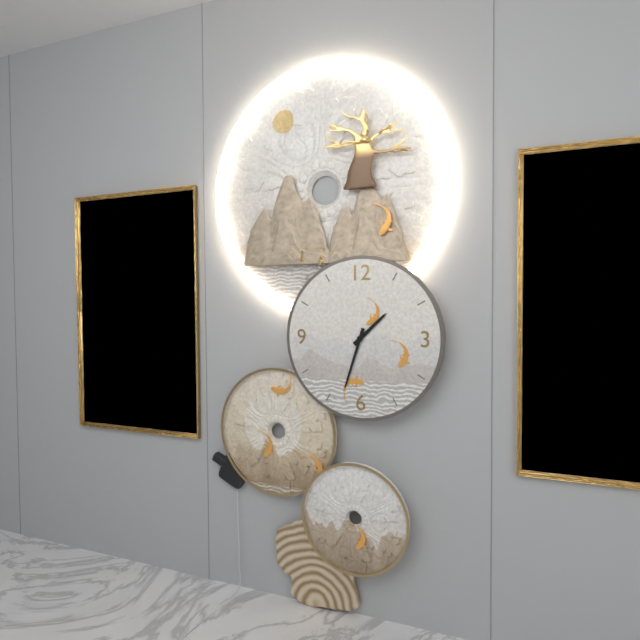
{"hour": 1, "minute": 33}
